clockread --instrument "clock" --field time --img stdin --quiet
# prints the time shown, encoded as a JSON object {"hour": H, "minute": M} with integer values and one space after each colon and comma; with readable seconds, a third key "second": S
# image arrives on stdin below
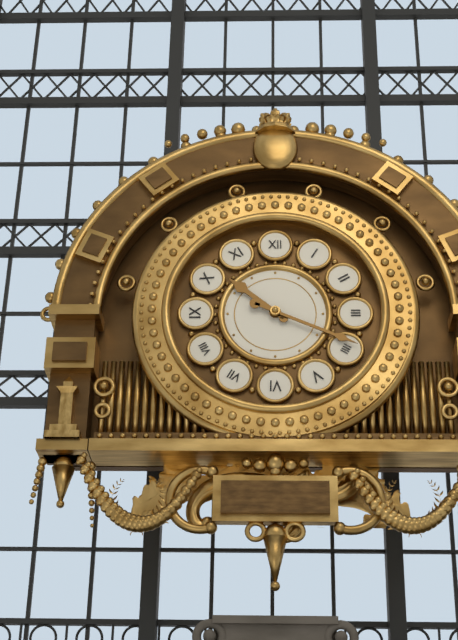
{"hour": 10, "minute": 19}
